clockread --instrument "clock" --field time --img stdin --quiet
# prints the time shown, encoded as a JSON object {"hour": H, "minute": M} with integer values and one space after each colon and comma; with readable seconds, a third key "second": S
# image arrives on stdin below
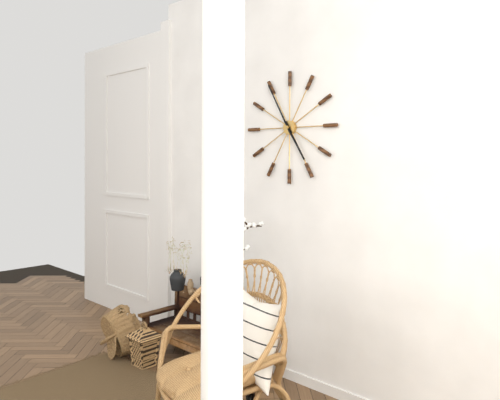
{"hour": 4, "minute": 55}
